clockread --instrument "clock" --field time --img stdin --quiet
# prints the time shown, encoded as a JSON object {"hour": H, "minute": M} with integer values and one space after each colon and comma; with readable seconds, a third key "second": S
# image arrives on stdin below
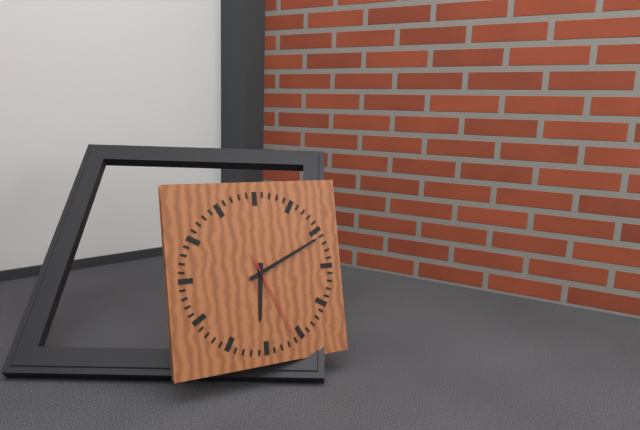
{"hour": 6, "minute": 11, "second": 26}
